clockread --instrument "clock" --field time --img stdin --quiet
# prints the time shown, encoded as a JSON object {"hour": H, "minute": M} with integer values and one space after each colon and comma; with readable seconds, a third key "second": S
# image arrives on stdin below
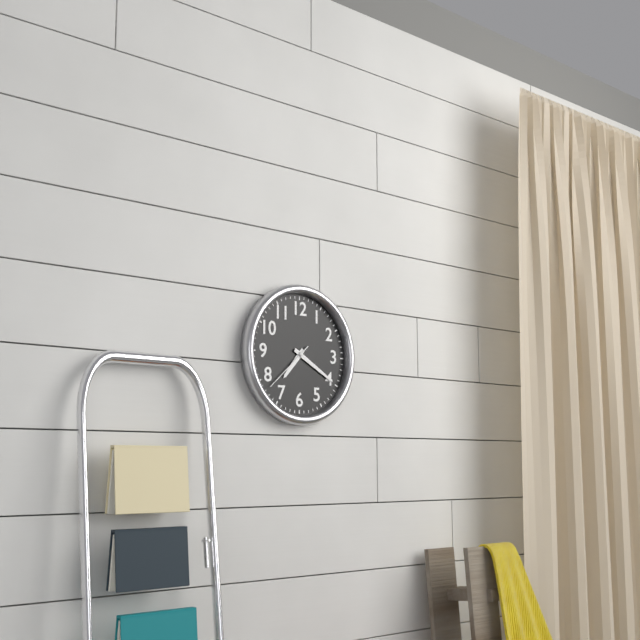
{"hour": 7, "minute": 20, "second": 38}
